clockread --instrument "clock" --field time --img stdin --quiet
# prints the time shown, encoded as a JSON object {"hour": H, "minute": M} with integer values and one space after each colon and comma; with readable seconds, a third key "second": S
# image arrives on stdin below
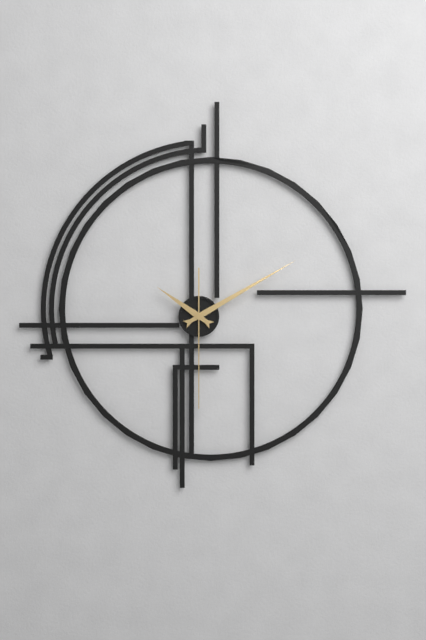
{"hour": 10, "minute": 10, "second": 30}
